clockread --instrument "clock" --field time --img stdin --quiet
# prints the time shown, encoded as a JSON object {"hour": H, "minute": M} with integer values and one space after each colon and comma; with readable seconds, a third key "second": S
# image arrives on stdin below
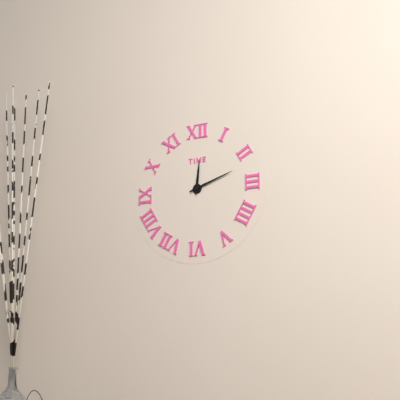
{"hour": 12, "minute": 12}
